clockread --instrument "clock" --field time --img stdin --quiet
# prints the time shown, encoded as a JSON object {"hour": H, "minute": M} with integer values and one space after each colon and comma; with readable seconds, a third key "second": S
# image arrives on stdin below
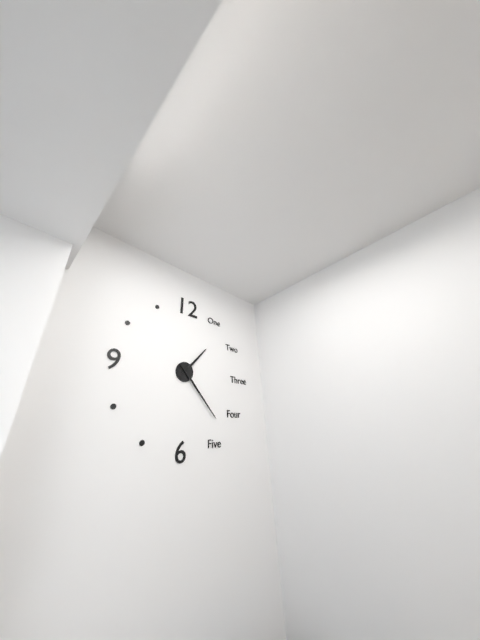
{"hour": 1, "minute": 23}
